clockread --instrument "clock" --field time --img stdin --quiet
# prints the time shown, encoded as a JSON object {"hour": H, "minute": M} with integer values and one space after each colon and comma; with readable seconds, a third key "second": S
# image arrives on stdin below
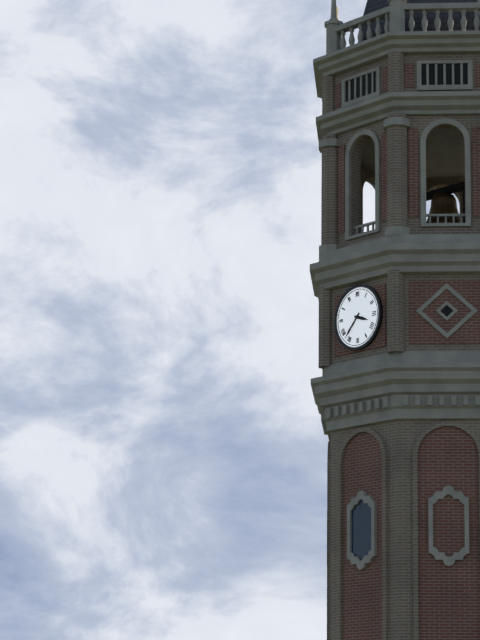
{"hour": 3, "minute": 37}
